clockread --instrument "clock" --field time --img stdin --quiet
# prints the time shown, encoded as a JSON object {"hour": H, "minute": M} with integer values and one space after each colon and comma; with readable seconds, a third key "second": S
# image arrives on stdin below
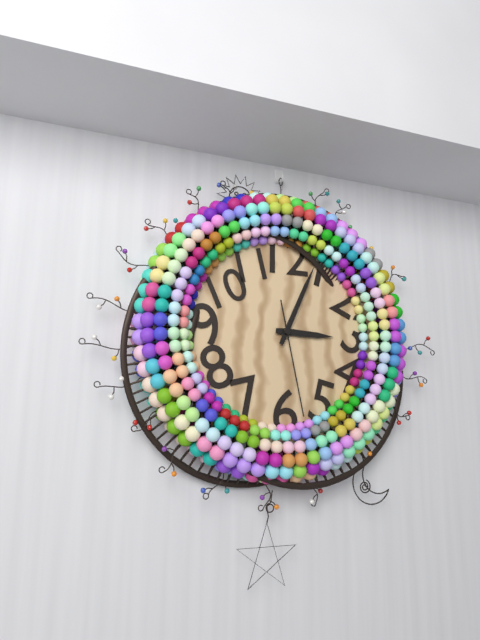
{"hour": 3, "minute": 4, "second": 28}
